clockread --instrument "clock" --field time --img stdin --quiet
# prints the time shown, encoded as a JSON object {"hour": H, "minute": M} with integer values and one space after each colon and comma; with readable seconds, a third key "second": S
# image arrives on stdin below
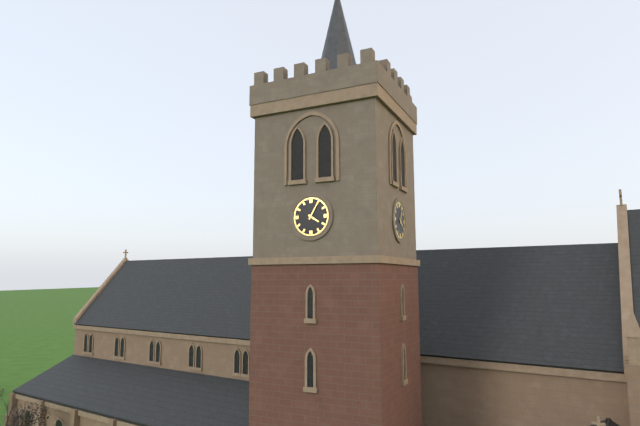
{"hour": 4, "minute": 5}
